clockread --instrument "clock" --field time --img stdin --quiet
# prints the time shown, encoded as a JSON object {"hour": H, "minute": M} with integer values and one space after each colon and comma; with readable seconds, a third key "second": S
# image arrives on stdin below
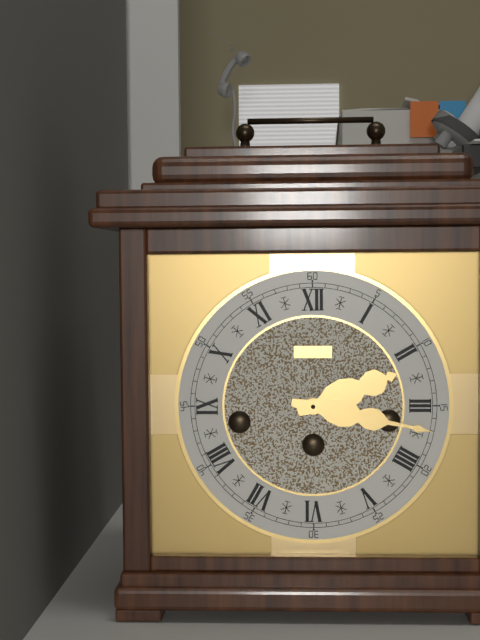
{"hour": 2, "minute": 17}
